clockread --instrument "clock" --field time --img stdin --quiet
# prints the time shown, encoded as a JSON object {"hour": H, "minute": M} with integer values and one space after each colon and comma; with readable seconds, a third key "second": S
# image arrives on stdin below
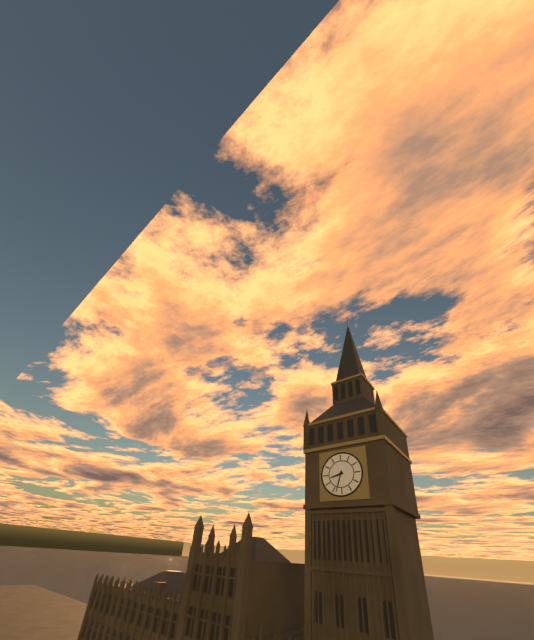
{"hour": 8, "minute": 33}
